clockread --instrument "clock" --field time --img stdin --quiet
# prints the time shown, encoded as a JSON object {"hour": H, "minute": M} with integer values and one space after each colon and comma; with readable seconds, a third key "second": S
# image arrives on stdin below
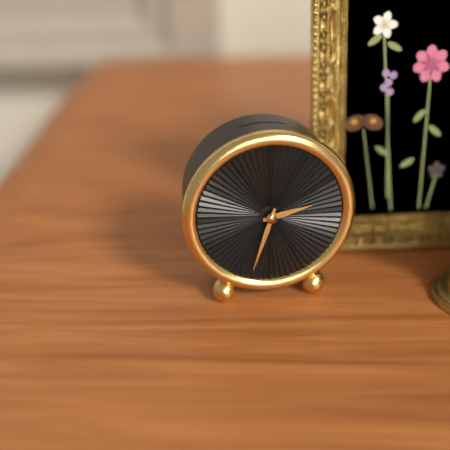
{"hour": 2, "minute": 33}
